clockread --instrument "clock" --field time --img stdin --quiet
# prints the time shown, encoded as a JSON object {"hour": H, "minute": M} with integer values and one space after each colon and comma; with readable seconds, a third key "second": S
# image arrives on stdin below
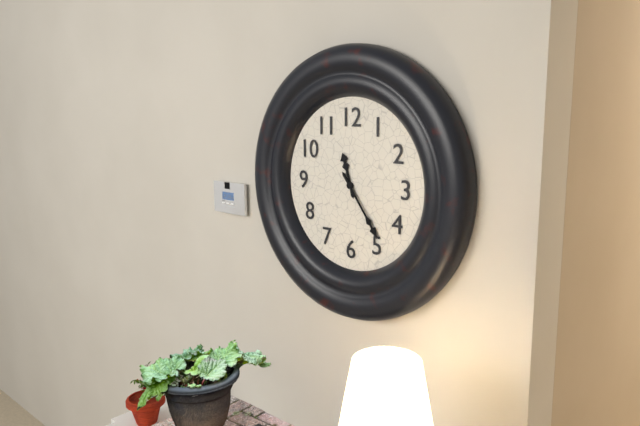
{"hour": 11, "minute": 24}
